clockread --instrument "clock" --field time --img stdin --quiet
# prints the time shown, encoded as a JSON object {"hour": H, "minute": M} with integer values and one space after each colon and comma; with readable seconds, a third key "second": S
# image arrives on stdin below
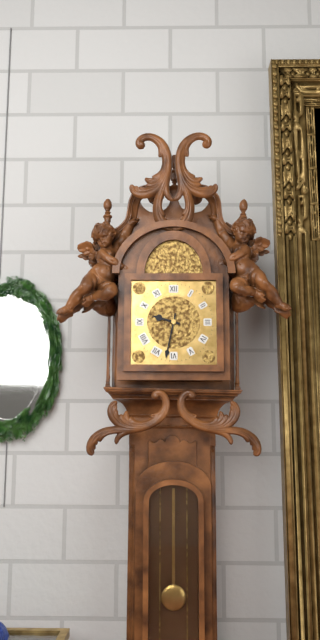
{"hour": 9, "minute": 32}
